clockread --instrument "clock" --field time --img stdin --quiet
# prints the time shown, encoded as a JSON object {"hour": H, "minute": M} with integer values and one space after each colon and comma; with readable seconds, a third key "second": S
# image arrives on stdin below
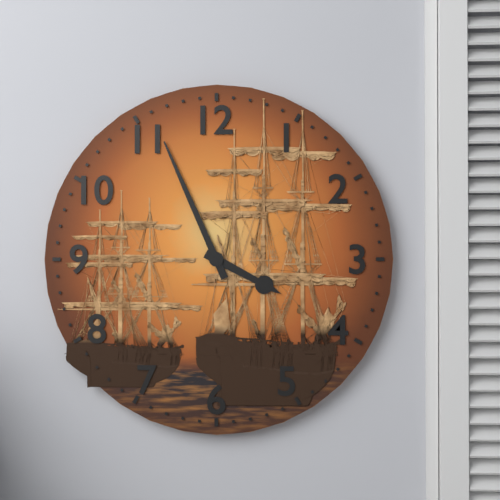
{"hour": 3, "minute": 56}
